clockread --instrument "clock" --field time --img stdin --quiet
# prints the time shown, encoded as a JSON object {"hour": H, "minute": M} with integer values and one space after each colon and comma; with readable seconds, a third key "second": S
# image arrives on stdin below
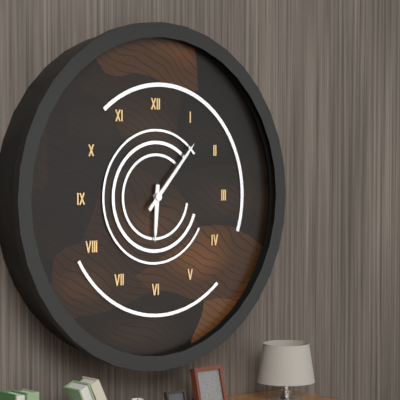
{"hour": 6, "minute": 7}
